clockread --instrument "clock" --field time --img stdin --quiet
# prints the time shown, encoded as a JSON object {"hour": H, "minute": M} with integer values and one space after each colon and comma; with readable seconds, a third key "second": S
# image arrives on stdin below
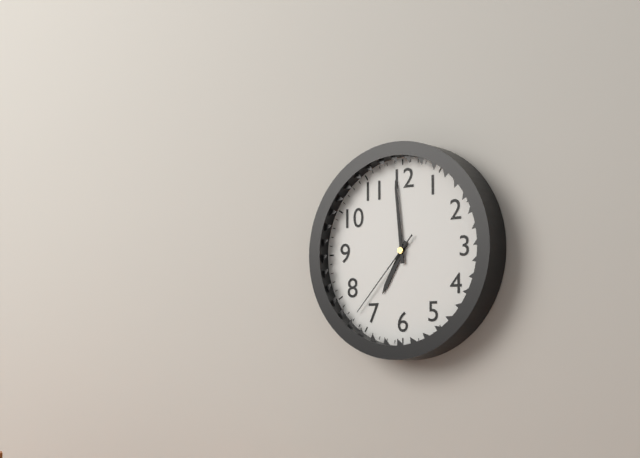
{"hour": 6, "minute": 59, "second": 37}
